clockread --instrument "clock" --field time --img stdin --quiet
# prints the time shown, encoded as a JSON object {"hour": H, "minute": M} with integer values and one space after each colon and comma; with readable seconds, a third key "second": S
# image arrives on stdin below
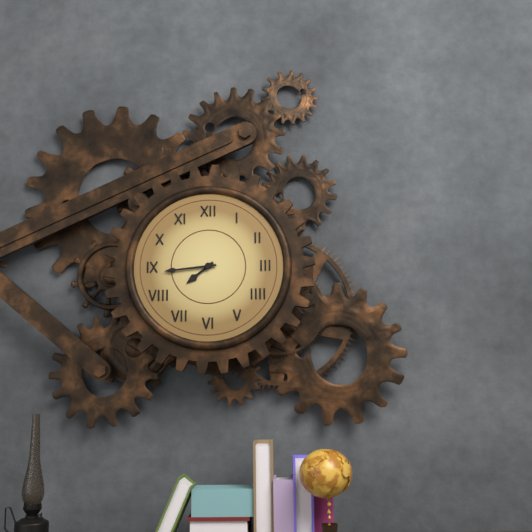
{"hour": 7, "minute": 44}
